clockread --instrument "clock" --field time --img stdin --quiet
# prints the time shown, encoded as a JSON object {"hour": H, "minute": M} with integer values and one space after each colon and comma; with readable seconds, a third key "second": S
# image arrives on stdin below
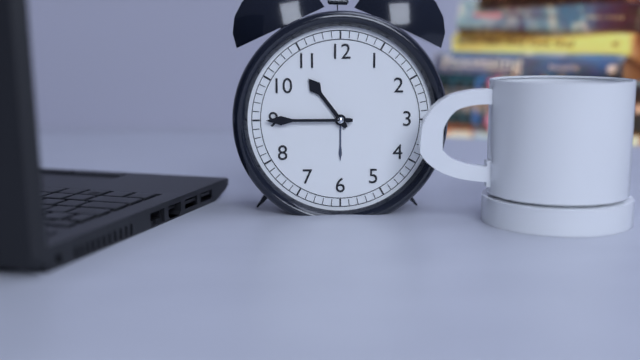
{"hour": 10, "minute": 45}
